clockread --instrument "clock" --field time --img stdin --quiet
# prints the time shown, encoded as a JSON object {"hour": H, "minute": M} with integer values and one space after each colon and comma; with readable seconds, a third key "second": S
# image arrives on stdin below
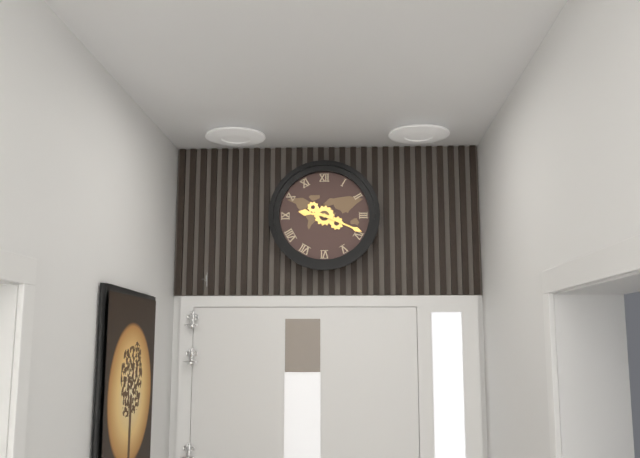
{"hour": 9, "minute": 19}
